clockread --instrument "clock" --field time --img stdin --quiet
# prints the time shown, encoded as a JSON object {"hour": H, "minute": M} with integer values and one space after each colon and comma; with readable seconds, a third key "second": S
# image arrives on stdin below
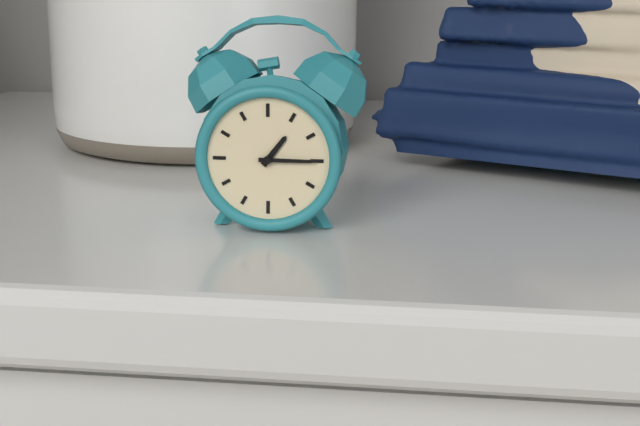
{"hour": 1, "minute": 15}
